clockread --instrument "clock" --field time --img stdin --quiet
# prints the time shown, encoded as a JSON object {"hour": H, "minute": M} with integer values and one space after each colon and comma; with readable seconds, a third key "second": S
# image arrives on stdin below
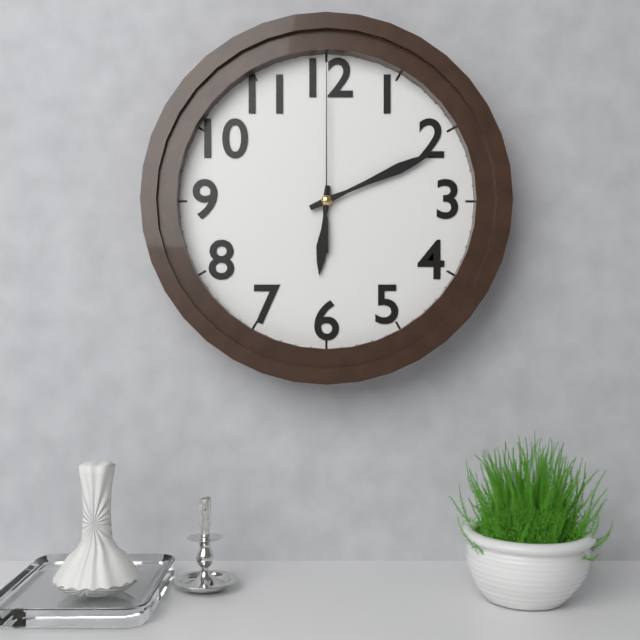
{"hour": 6, "minute": 11, "second": 0}
